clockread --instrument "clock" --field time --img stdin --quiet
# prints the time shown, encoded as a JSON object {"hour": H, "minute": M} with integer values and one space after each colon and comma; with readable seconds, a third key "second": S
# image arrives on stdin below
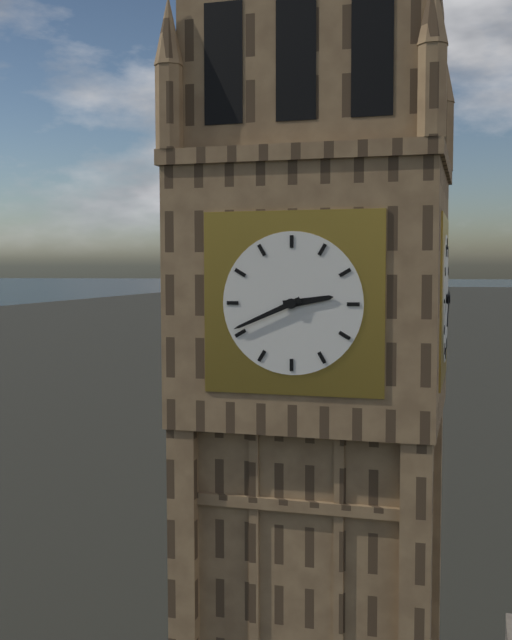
{"hour": 2, "minute": 41}
